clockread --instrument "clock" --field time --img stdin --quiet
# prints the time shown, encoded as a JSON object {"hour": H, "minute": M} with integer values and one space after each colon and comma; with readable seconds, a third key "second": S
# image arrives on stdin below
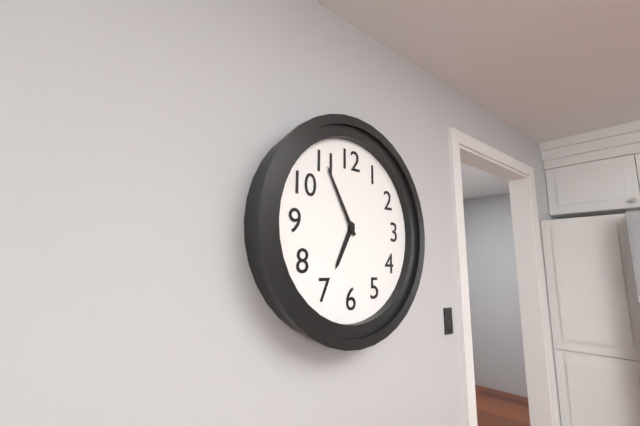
{"hour": 6, "minute": 55}
